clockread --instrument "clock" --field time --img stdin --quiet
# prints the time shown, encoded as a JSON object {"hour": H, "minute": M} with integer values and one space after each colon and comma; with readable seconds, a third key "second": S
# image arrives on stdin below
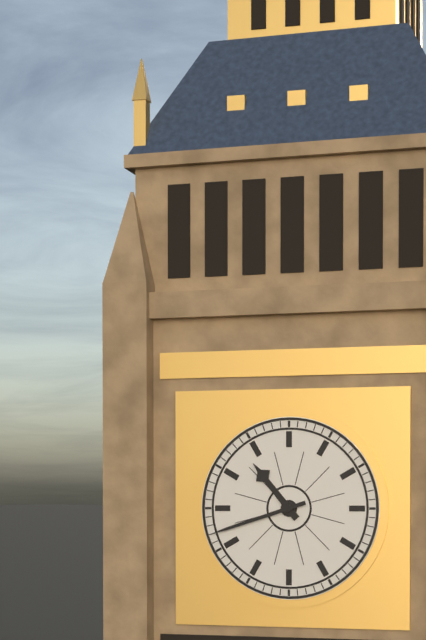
{"hour": 10, "minute": 42}
